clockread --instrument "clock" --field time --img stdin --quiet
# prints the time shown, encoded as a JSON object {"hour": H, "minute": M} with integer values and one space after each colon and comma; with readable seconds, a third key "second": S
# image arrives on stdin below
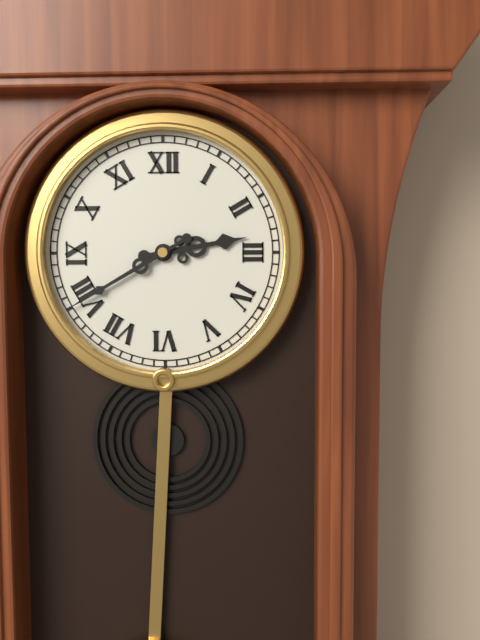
{"hour": 2, "minute": 40}
